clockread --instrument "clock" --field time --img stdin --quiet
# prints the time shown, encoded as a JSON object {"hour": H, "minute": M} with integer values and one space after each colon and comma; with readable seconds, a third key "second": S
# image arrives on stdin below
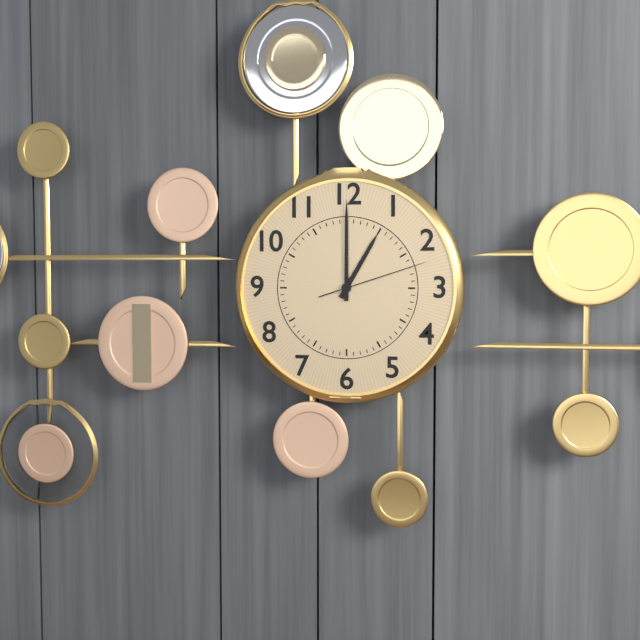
{"hour": 1, "minute": 0, "second": 12}
